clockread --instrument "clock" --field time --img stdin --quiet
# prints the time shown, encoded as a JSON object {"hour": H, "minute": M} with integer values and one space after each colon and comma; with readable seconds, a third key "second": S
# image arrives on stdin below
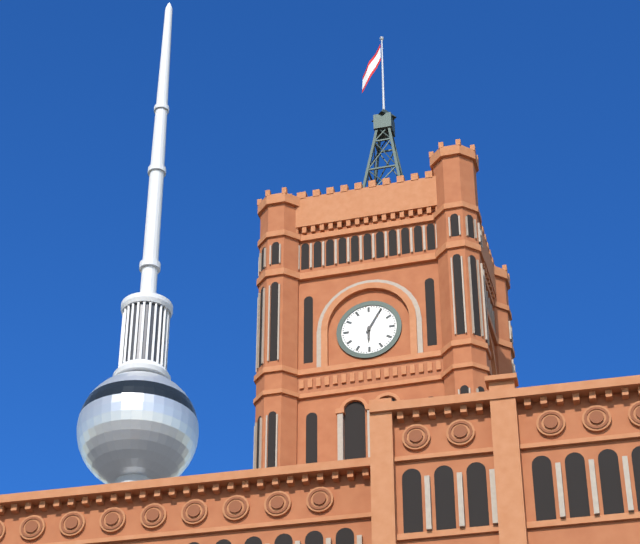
{"hour": 6, "minute": 5}
